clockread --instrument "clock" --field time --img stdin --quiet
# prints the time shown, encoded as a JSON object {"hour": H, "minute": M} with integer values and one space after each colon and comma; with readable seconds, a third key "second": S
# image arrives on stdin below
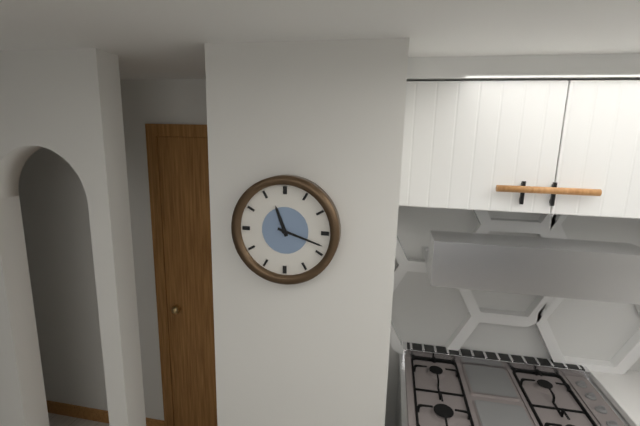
{"hour": 11, "minute": 18}
